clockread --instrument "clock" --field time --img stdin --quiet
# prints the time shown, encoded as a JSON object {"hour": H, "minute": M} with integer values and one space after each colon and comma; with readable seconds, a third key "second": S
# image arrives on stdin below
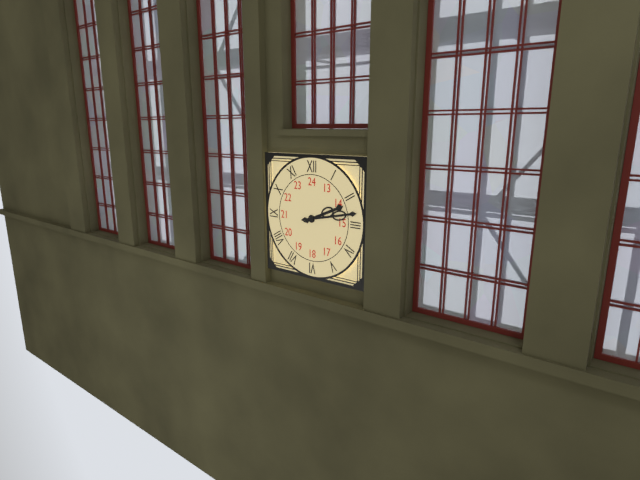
{"hour": 2, "minute": 13}
